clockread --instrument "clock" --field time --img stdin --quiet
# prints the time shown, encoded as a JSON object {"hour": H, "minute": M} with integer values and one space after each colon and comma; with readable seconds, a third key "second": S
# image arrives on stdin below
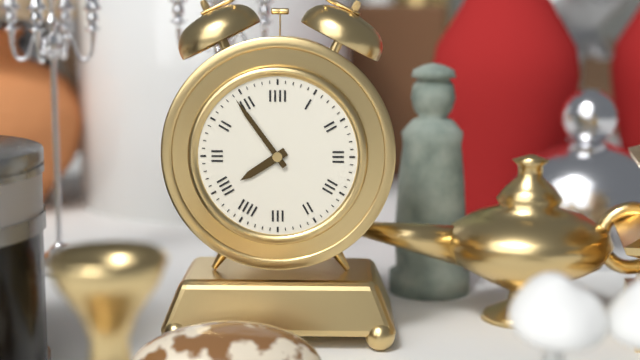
{"hour": 7, "minute": 54}
